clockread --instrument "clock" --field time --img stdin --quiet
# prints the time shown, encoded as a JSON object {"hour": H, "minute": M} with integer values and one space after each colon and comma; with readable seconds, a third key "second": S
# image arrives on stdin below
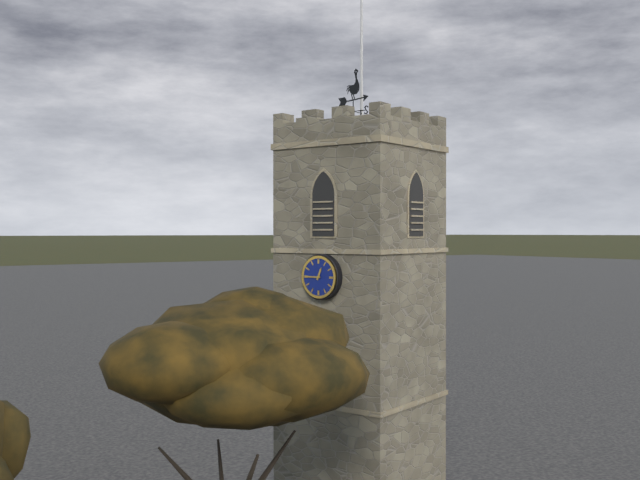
{"hour": 12, "minute": 45}
